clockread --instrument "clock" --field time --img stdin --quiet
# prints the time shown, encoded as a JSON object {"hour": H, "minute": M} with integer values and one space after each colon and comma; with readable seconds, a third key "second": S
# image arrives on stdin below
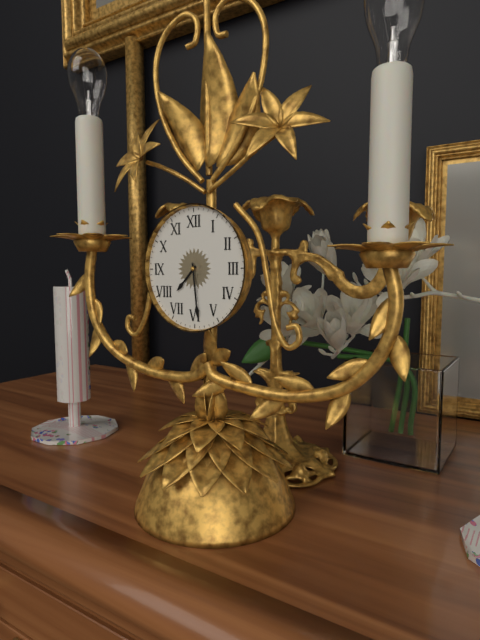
{"hour": 7, "minute": 29}
